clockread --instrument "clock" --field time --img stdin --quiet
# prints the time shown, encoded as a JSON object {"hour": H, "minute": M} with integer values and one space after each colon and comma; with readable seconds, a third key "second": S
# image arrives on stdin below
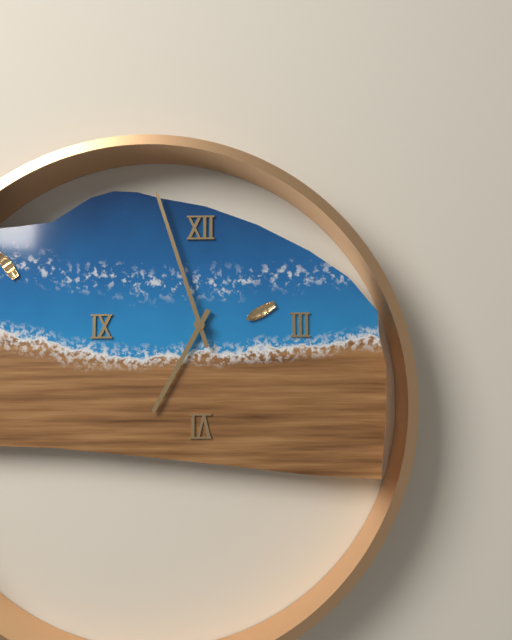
{"hour": 6, "minute": 57}
